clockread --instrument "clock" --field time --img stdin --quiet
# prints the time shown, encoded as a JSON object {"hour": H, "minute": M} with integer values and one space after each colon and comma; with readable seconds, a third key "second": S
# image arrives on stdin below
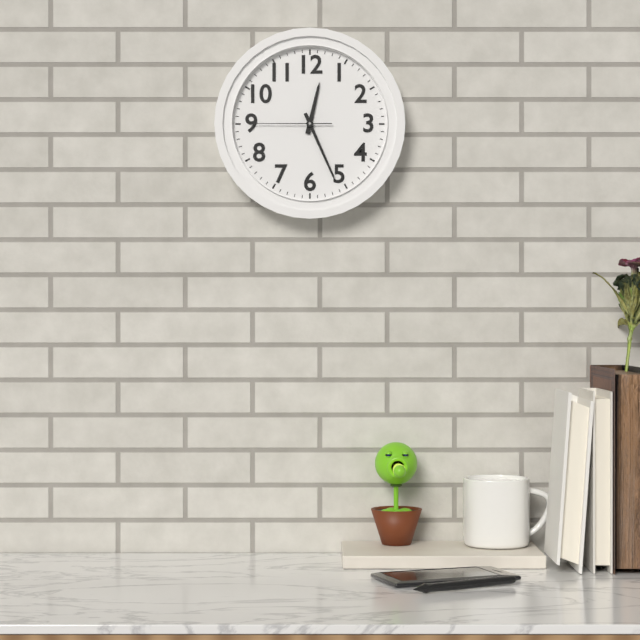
{"hour": 12, "minute": 26, "second": 45}
